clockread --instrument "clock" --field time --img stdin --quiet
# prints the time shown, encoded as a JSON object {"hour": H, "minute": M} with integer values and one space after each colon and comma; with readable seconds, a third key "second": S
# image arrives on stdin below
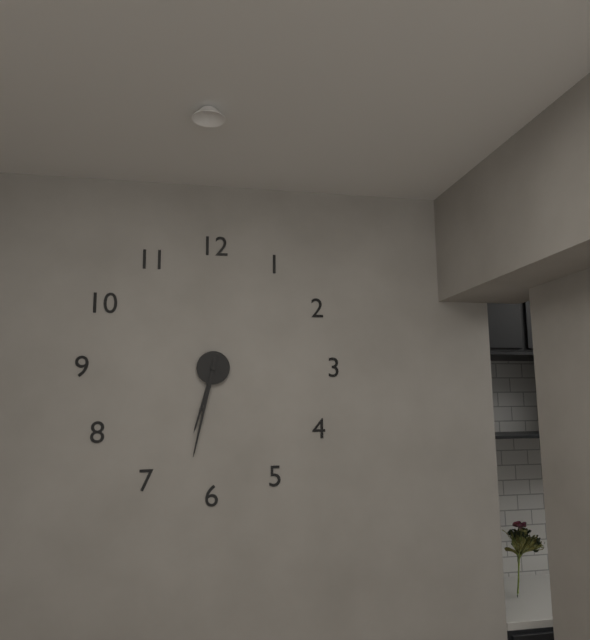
{"hour": 6, "minute": 32}
